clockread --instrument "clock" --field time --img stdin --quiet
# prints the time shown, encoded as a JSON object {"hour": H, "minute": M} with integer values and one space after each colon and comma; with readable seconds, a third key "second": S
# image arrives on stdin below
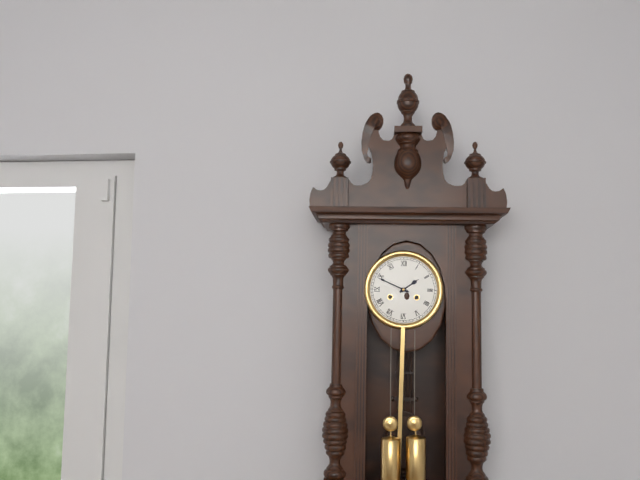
{"hour": 1, "minute": 49}
